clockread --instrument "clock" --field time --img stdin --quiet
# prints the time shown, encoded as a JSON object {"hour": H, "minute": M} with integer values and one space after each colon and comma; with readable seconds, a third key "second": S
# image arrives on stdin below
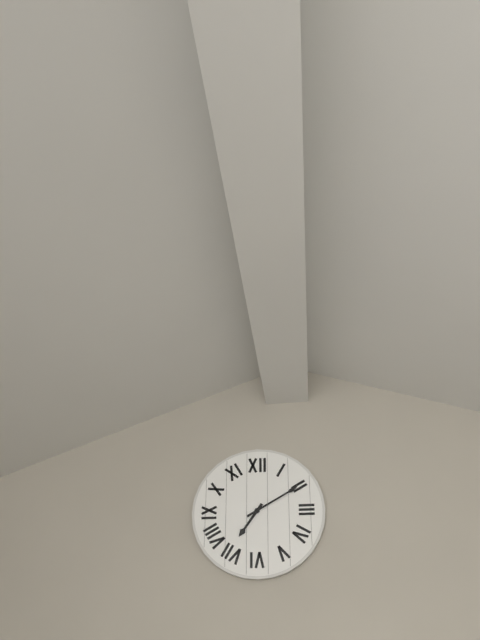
{"hour": 7, "minute": 10}
